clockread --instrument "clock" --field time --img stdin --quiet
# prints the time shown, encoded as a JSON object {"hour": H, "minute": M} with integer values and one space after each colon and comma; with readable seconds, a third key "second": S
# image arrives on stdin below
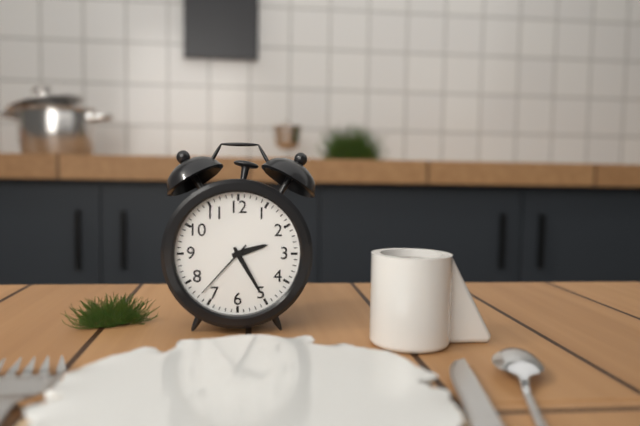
{"hour": 2, "minute": 25, "second": 37}
